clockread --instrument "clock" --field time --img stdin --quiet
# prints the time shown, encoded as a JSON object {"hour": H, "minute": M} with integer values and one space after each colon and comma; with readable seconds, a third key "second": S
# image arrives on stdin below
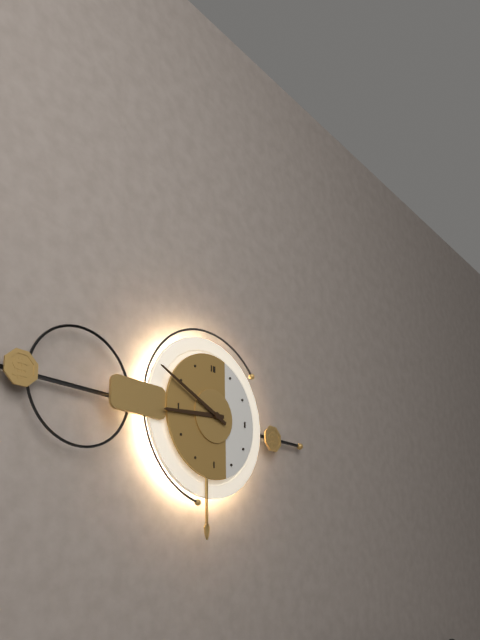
{"hour": 8, "minute": 49}
